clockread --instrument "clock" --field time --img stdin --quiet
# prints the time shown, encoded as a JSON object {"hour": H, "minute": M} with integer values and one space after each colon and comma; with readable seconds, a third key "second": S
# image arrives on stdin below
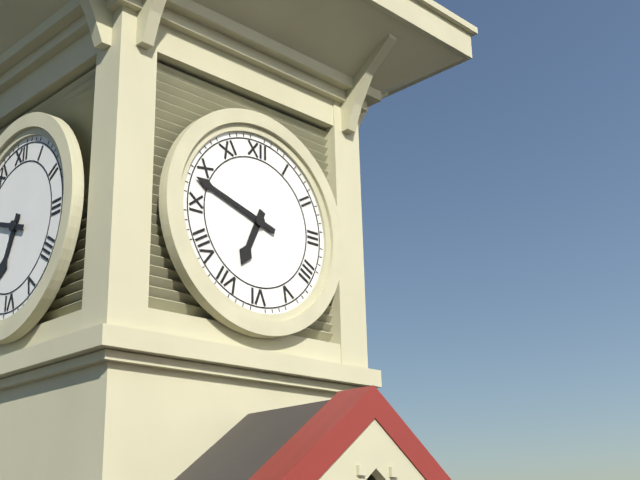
{"hour": 6, "minute": 48}
